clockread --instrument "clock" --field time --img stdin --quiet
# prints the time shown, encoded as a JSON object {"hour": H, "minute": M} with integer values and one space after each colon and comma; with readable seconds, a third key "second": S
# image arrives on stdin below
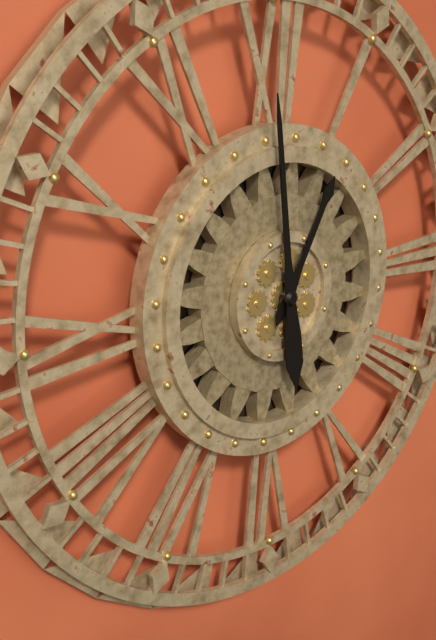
{"hour": 12, "minute": 59}
